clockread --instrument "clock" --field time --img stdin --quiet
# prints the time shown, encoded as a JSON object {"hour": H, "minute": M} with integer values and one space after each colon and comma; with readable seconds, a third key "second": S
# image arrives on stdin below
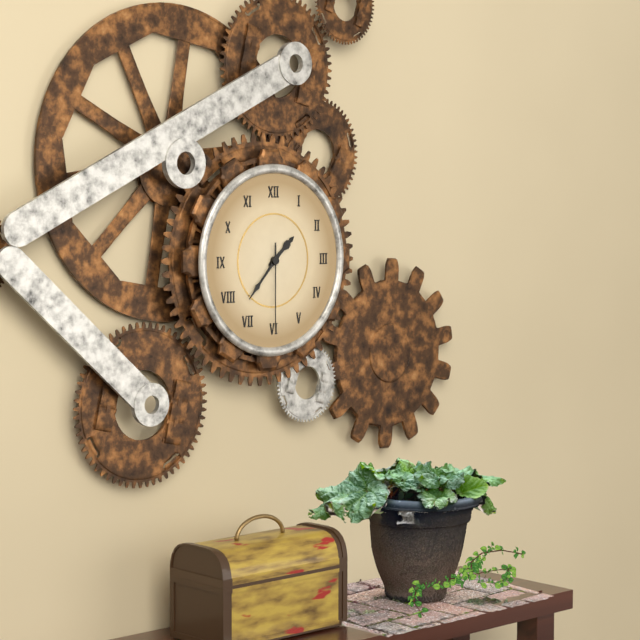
{"hour": 1, "minute": 37, "second": 30}
